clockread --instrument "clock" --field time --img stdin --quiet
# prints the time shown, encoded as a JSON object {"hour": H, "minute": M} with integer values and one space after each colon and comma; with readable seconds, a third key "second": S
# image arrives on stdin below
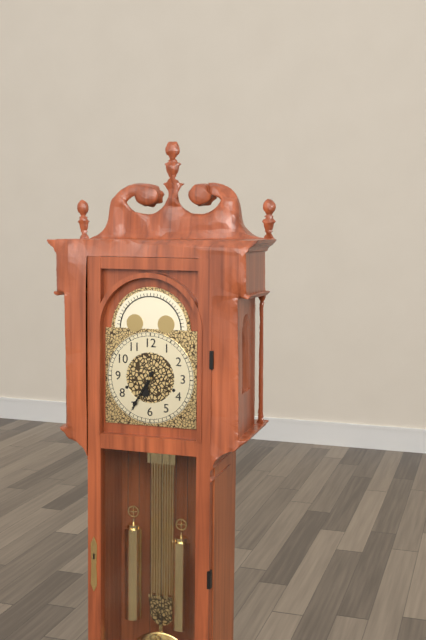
{"hour": 6, "minute": 35}
